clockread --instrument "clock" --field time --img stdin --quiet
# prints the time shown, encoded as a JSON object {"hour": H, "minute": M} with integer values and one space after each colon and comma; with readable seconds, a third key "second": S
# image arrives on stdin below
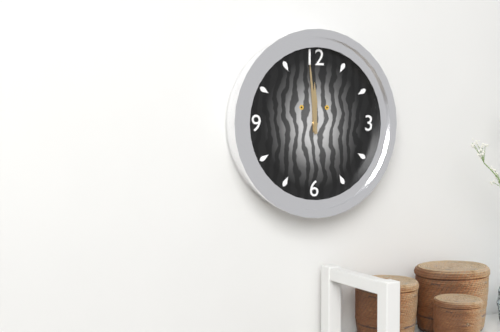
{"hour": 11, "minute": 59}
